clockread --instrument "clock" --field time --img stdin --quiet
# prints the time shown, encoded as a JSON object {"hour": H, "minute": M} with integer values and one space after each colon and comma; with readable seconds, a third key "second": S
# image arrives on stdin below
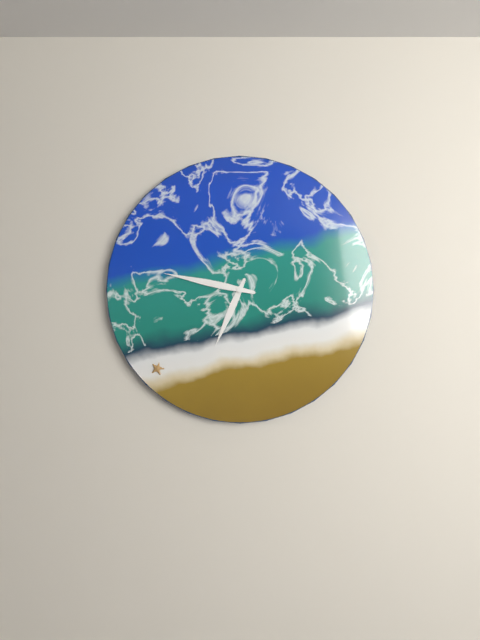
{"hour": 6, "minute": 47}
